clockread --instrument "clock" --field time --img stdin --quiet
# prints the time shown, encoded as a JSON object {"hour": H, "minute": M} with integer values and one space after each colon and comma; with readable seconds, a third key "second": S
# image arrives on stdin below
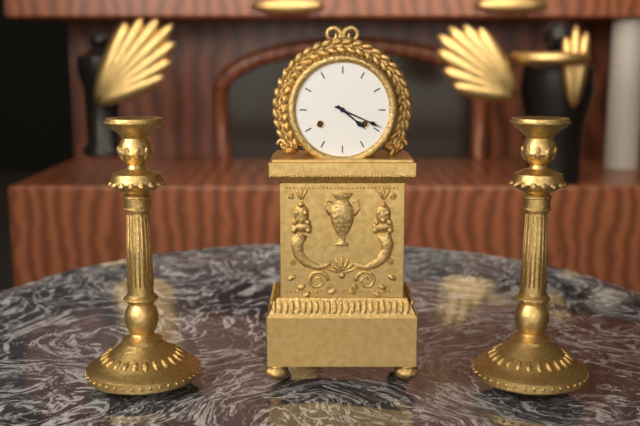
{"hour": 4, "minute": 19}
